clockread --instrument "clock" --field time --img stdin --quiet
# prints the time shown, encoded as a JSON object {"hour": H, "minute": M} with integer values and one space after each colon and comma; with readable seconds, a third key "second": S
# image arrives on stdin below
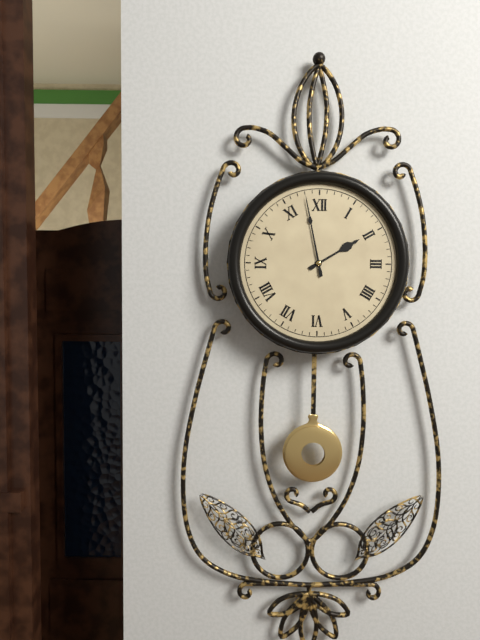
{"hour": 1, "minute": 58}
